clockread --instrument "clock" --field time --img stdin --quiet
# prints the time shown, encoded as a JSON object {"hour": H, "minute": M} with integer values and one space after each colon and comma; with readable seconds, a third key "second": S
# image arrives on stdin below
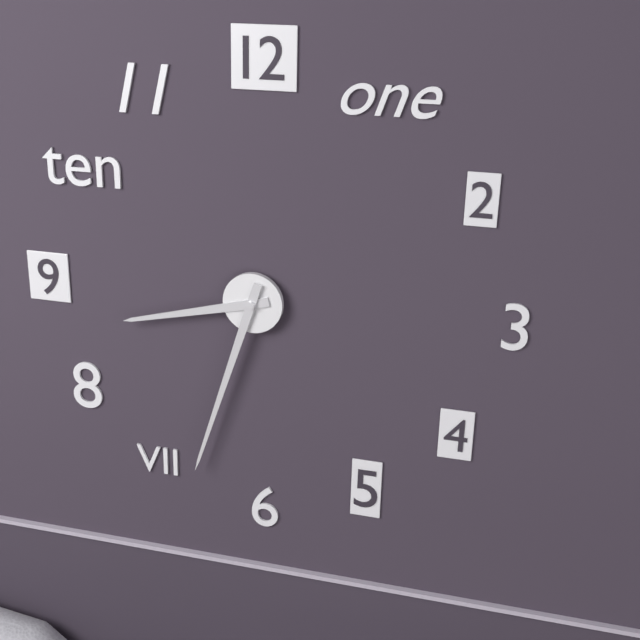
{"hour": 8, "minute": 33}
